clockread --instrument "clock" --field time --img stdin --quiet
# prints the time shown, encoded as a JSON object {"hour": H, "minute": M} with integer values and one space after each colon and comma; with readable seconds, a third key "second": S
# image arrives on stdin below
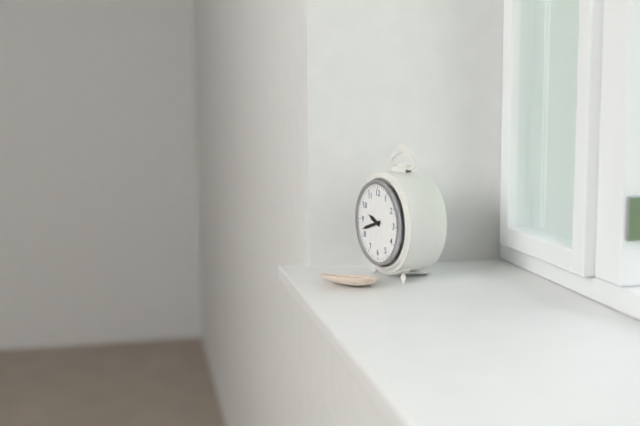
{"hour": 9, "minute": 42}
